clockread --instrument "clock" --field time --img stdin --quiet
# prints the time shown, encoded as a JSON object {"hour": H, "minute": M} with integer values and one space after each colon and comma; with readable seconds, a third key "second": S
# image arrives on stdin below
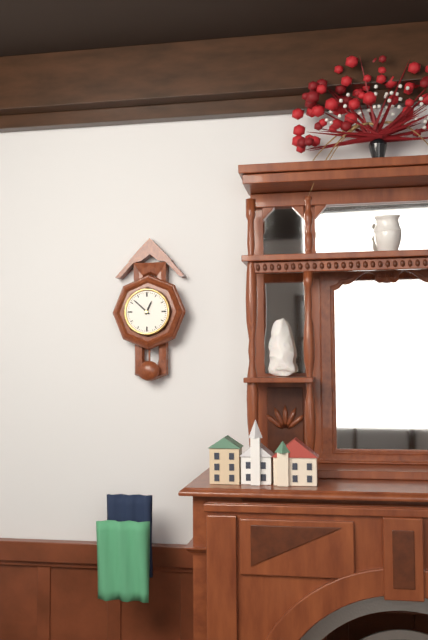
{"hour": 12, "minute": 52}
